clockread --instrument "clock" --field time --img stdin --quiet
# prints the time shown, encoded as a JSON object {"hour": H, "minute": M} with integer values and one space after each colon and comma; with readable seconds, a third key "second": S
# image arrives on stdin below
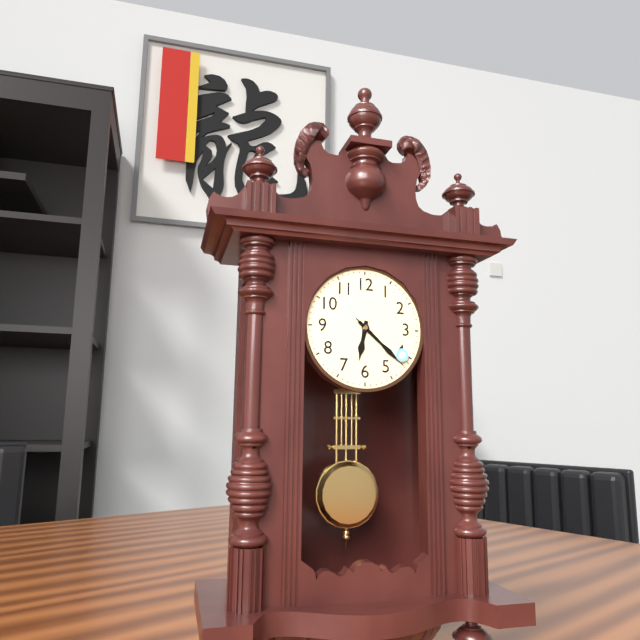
{"hour": 6, "minute": 22, "second": 22}
